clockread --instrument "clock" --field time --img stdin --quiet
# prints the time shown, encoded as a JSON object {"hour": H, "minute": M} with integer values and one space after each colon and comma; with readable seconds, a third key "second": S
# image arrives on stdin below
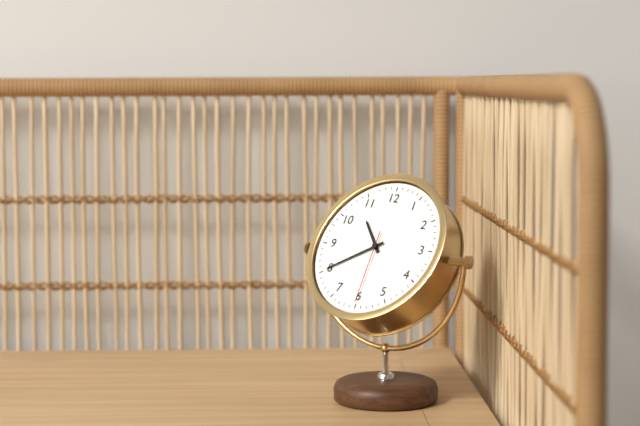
{"hour": 10, "minute": 40, "second": 30}
